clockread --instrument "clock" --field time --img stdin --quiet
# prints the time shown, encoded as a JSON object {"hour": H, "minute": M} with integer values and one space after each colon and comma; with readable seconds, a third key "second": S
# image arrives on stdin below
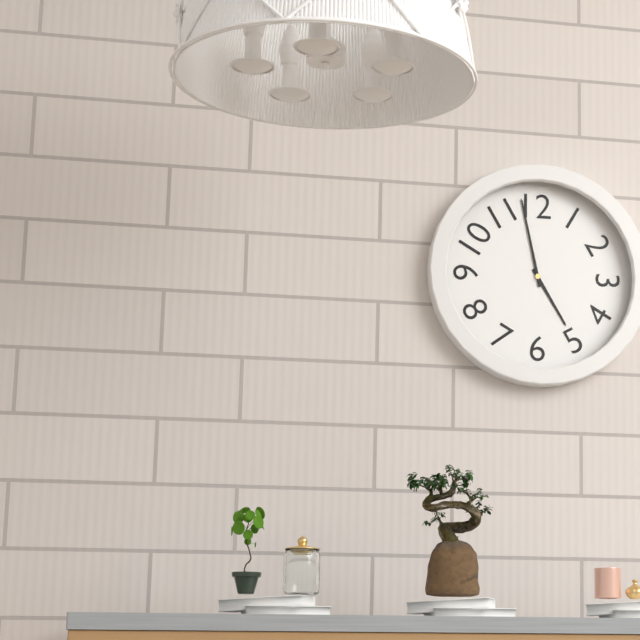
{"hour": 4, "minute": 58}
